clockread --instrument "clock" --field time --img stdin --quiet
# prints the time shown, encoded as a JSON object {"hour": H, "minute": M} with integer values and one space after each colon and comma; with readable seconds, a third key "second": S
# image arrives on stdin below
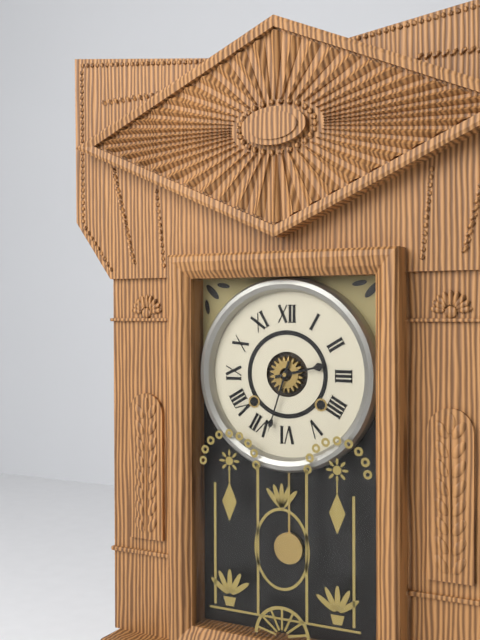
{"hour": 2, "minute": 33}
